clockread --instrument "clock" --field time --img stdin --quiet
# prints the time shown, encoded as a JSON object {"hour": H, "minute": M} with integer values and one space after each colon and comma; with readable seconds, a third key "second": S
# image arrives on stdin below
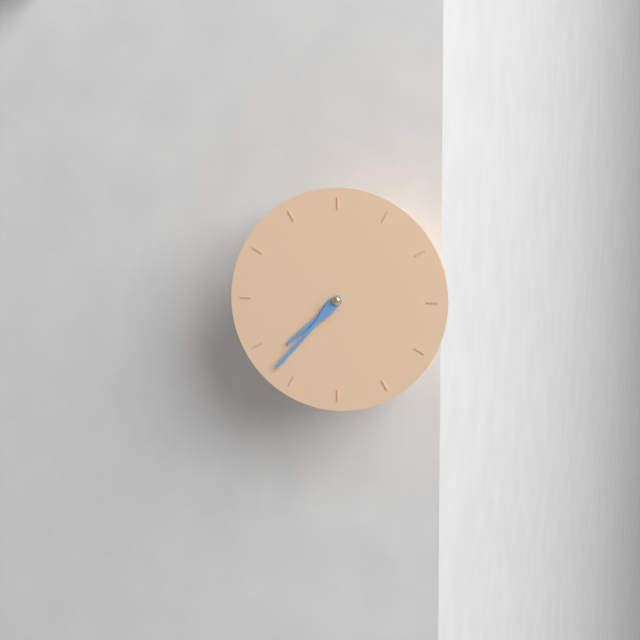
{"hour": 7, "minute": 37}
